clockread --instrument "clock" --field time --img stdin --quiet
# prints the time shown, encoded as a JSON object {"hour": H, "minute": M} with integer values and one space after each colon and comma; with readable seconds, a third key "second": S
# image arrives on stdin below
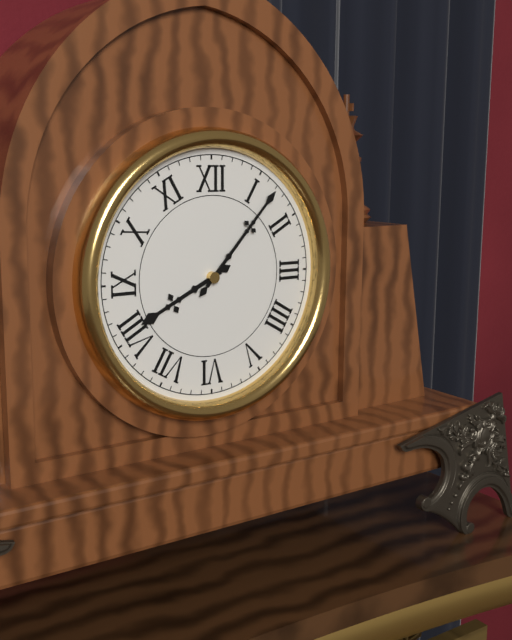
{"hour": 8, "minute": 7}
